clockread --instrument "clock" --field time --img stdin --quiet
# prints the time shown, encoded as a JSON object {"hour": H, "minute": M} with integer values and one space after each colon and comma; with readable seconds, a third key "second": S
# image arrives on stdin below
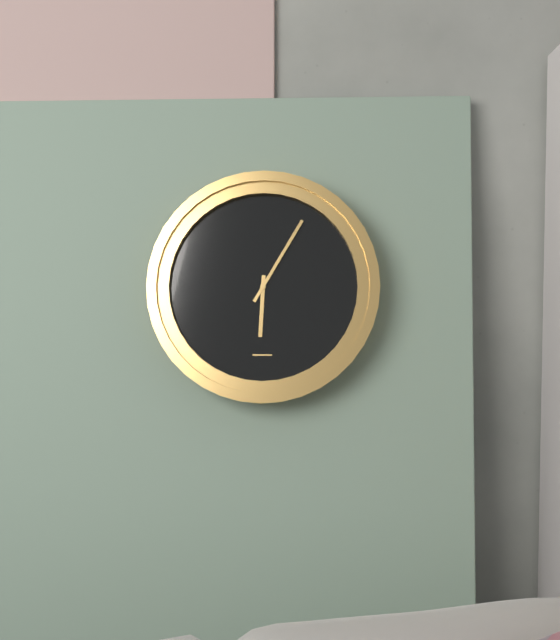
{"hour": 6, "minute": 5}
